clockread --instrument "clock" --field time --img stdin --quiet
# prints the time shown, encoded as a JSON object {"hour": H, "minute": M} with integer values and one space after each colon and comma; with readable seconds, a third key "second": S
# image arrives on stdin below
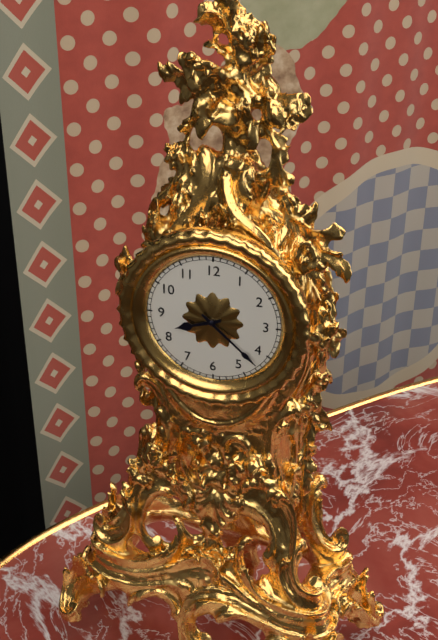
{"hour": 8, "minute": 22}
